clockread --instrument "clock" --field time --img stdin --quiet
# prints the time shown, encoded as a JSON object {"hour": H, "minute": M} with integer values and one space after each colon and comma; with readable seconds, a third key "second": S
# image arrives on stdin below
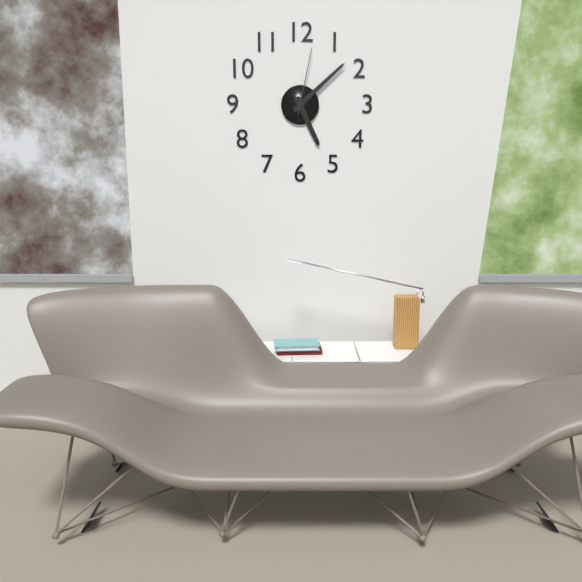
{"hour": 5, "minute": 8, "second": 2}
